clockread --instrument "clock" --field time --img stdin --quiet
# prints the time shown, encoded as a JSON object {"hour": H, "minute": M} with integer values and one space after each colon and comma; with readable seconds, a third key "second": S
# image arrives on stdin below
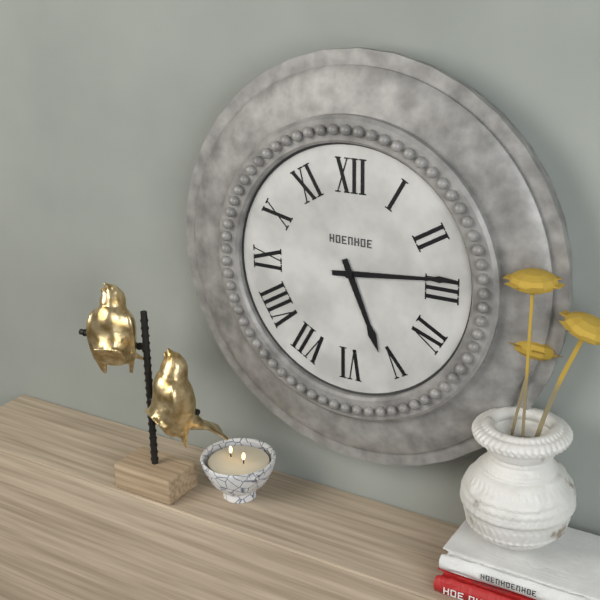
{"hour": 5, "minute": 14}
